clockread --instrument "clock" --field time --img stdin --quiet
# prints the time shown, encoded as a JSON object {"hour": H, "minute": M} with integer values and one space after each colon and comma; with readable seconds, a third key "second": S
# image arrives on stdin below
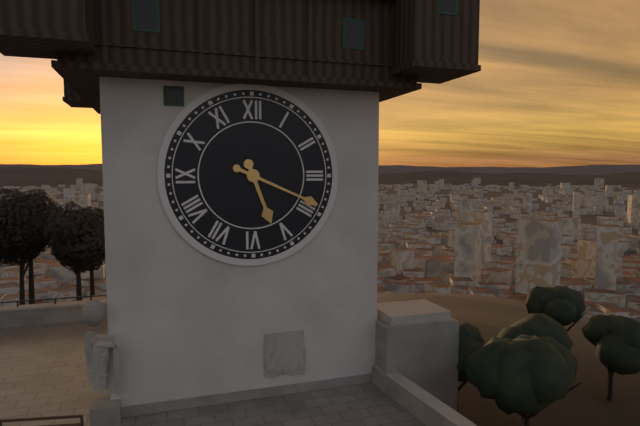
{"hour": 5, "minute": 19}
